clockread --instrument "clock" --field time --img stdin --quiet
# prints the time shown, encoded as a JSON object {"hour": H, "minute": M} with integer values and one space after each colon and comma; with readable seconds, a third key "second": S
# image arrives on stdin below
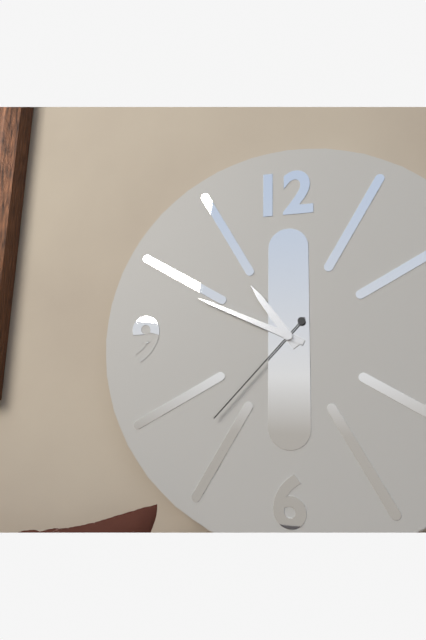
{"hour": 10, "minute": 49, "second": 37}
